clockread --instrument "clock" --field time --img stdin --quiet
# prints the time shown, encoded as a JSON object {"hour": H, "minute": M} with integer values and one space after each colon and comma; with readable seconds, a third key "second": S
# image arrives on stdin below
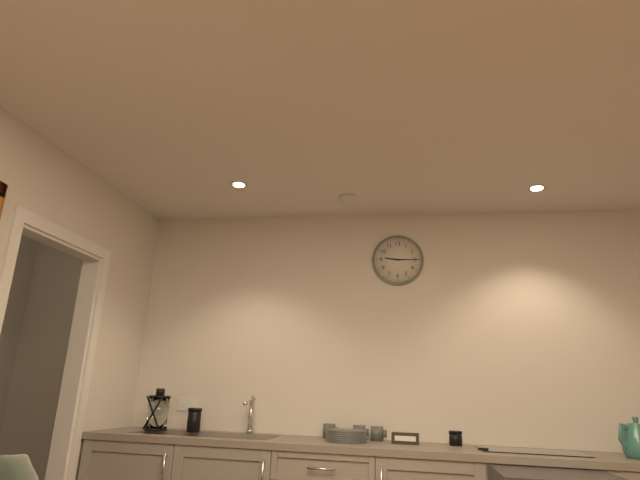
{"hour": 9, "minute": 15}
